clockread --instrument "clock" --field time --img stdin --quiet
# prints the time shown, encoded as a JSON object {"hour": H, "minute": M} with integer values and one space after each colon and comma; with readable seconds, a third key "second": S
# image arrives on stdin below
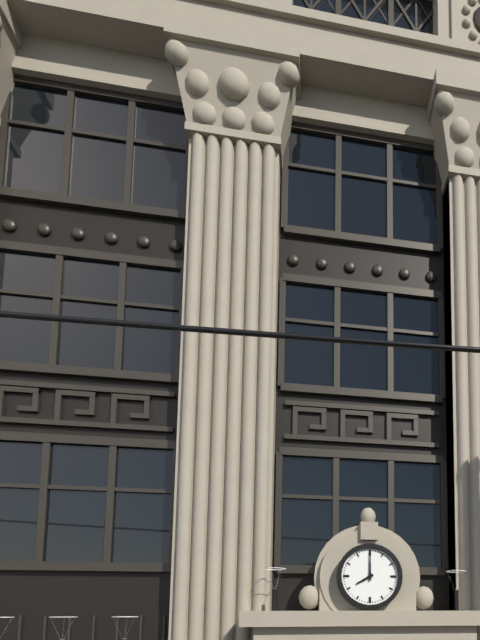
{"hour": 8, "minute": 0}
